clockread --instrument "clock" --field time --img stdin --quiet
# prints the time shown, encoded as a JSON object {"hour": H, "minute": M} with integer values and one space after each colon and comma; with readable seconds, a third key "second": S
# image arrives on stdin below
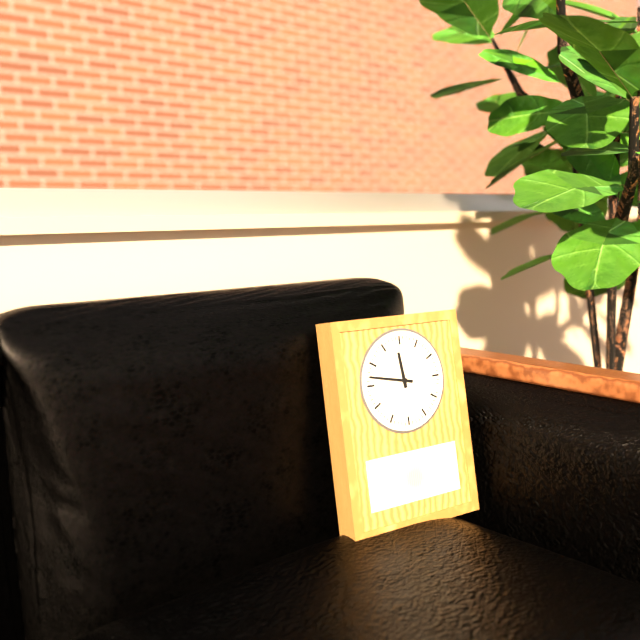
{"hour": 11, "minute": 47}
